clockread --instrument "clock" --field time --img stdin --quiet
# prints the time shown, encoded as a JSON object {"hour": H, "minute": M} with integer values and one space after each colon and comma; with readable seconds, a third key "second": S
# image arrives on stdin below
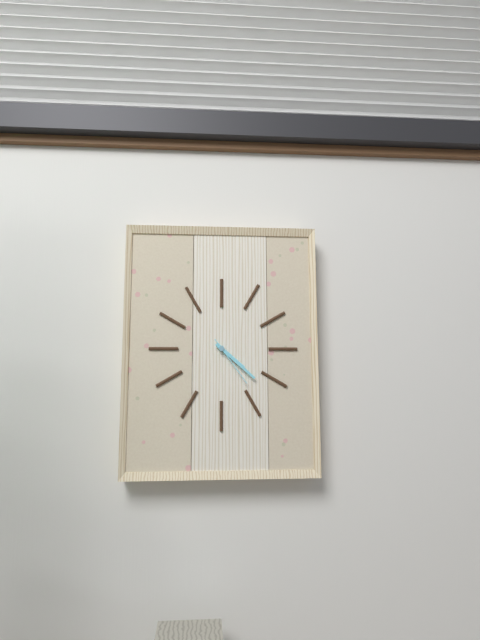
{"hour": 4, "minute": 22, "second": 24}
